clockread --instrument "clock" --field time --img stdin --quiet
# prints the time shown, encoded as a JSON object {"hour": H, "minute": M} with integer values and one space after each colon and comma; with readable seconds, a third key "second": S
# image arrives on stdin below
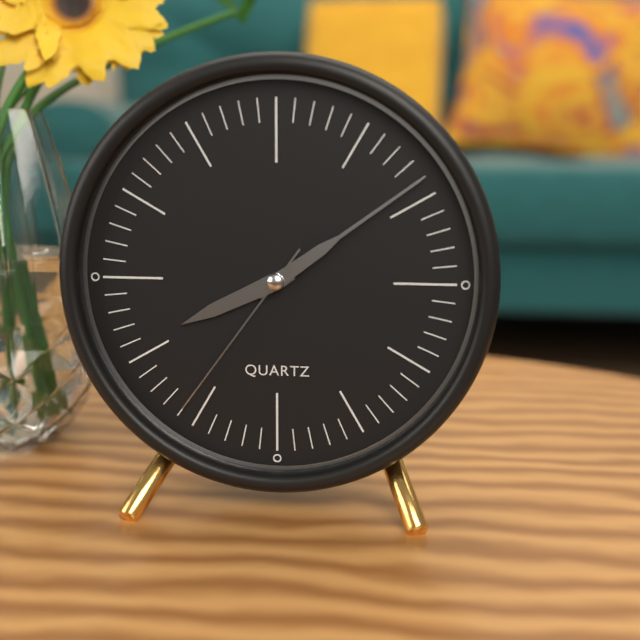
{"hour": 8, "minute": 9, "second": 36}
